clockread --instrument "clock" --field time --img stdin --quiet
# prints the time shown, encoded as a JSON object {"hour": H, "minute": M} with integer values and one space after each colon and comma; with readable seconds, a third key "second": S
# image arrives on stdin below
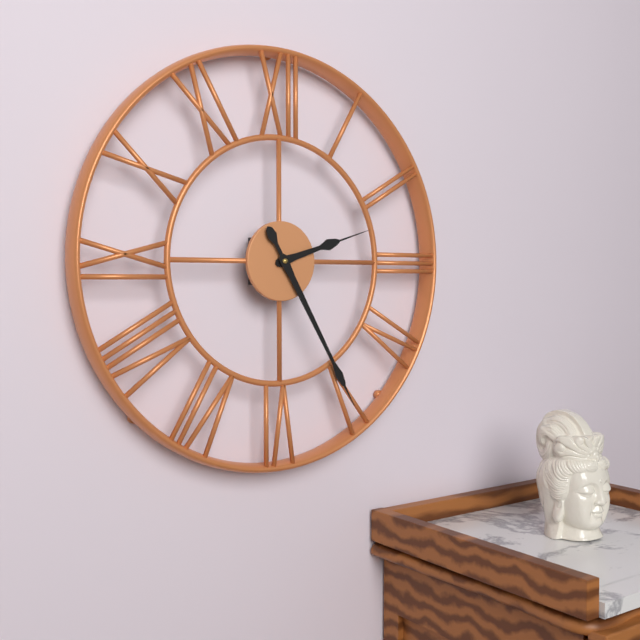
{"hour": 2, "minute": 25}
